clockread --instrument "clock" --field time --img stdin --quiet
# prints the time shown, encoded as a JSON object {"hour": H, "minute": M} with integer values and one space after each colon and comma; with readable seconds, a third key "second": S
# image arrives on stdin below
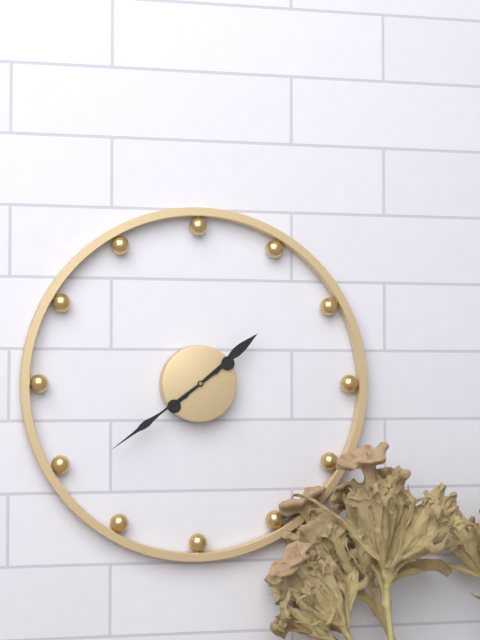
{"hour": 1, "minute": 39}
